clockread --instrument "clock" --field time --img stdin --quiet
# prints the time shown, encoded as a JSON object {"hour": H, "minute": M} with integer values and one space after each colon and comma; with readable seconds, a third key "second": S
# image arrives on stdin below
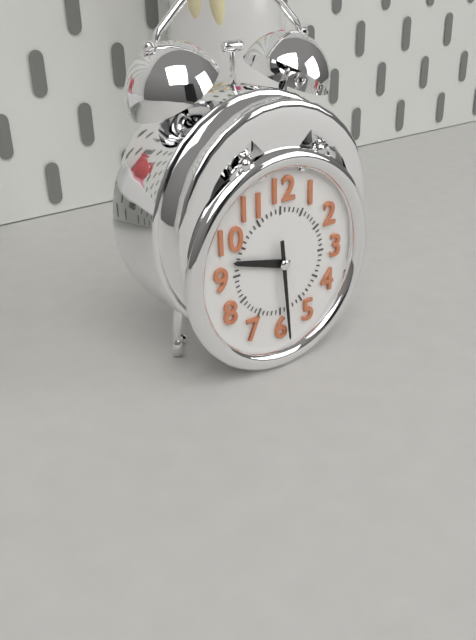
{"hour": 9, "minute": 29}
